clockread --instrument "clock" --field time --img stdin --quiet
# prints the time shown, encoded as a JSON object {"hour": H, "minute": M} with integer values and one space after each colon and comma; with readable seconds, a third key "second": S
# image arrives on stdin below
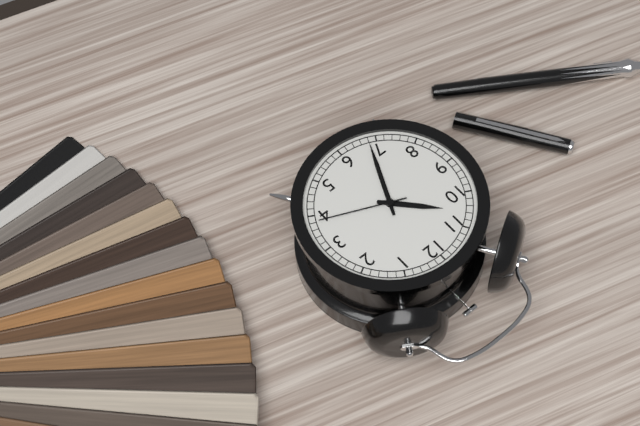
{"hour": 10, "minute": 34, "second": 19}
